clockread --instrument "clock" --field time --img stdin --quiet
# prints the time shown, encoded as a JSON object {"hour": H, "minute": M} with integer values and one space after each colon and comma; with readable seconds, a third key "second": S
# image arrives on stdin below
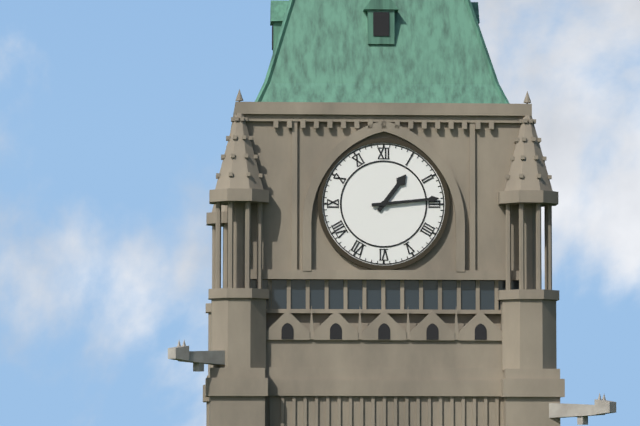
{"hour": 1, "minute": 14}
